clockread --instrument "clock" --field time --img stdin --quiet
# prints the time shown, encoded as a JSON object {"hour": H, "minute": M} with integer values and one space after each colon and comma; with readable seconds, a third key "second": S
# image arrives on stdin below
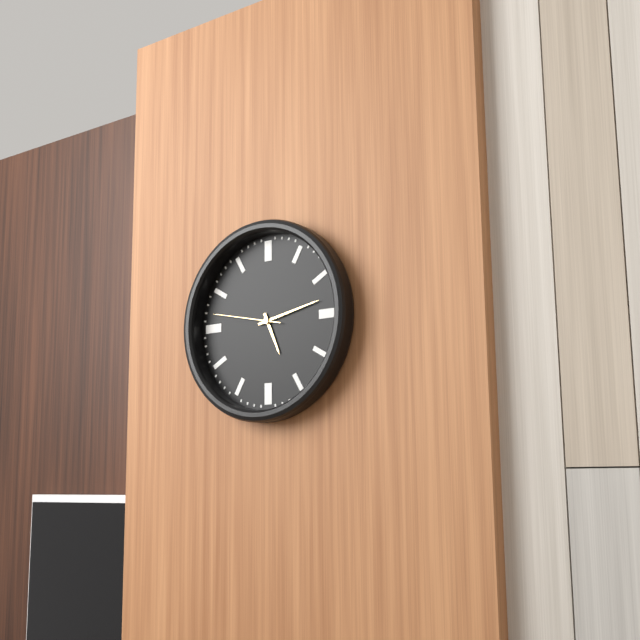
{"hour": 5, "minute": 13, "second": 47}
